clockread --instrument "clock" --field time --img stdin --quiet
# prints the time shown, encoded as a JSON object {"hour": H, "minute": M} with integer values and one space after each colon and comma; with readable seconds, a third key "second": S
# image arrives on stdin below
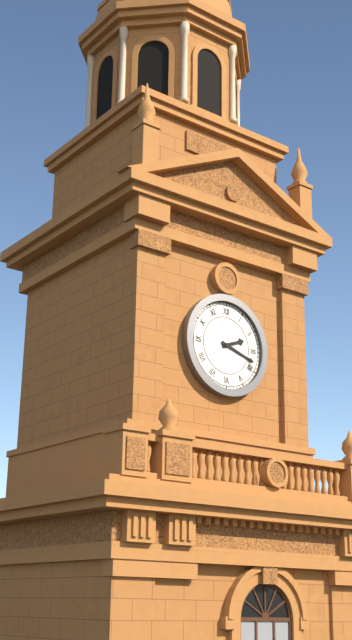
{"hour": 2, "minute": 18}
